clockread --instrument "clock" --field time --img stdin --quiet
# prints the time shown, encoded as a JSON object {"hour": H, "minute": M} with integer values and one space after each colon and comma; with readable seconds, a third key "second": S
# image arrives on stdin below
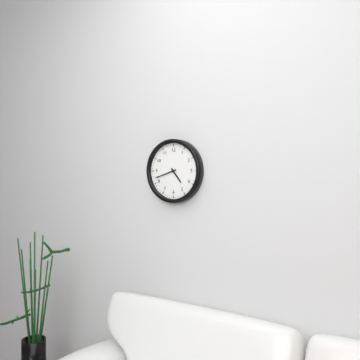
{"hour": 4, "minute": 42}
